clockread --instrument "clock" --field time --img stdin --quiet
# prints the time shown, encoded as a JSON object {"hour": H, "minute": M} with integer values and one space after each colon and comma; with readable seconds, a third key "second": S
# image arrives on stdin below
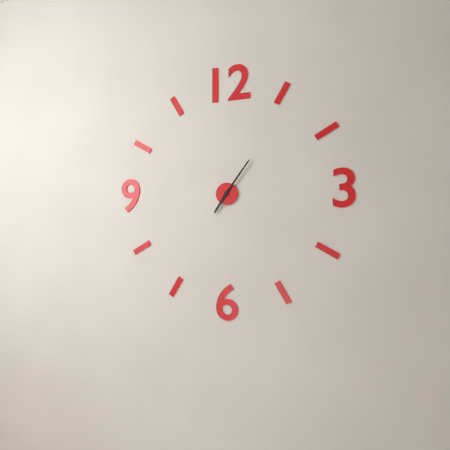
{"hour": 7, "minute": 6}
